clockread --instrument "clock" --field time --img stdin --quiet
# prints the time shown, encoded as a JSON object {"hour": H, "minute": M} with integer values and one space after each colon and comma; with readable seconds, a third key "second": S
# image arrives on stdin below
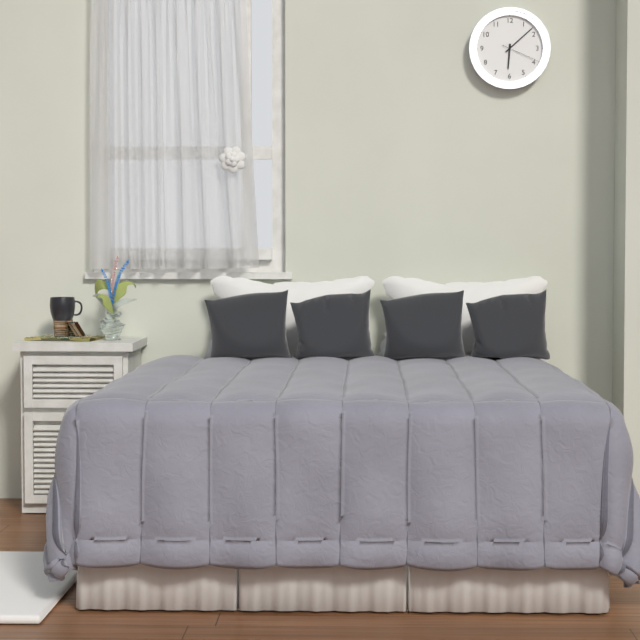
{"hour": 6, "minute": 8}
